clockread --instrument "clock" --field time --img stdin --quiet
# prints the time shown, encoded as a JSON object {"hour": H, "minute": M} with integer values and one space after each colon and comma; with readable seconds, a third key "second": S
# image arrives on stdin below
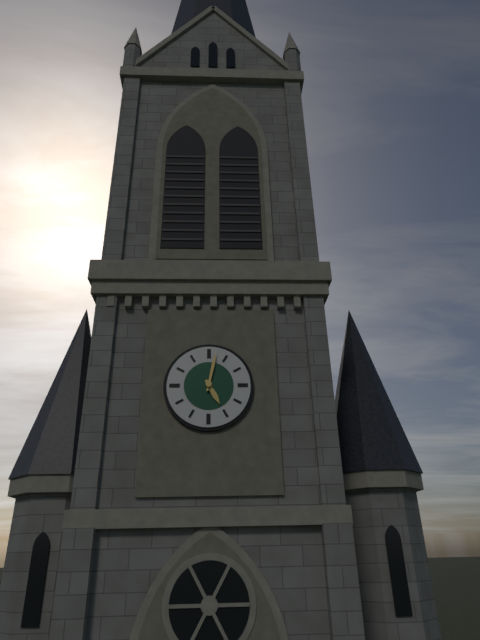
{"hour": 5, "minute": 2}
